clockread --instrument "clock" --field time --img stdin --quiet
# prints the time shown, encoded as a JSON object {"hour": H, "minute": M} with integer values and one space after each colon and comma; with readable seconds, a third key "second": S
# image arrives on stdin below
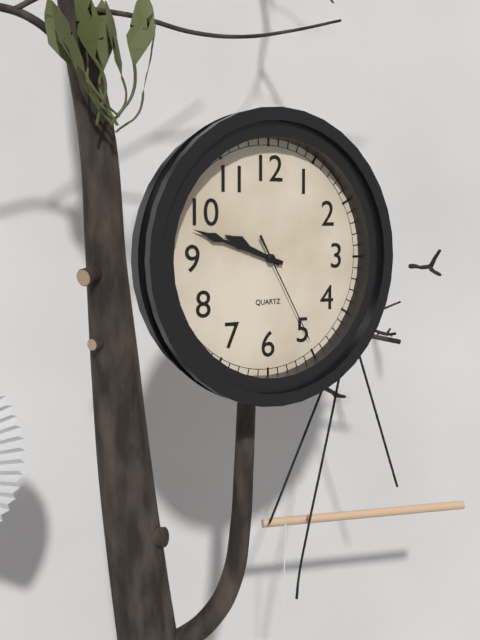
{"hour": 9, "minute": 48, "second": 25}
